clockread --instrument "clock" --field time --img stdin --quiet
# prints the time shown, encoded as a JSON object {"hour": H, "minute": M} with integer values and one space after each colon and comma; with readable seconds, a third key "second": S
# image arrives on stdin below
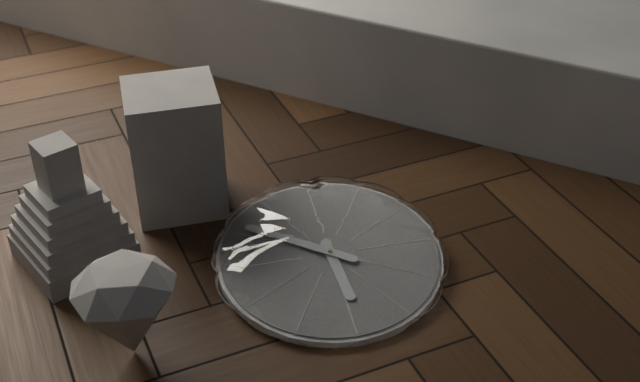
{"hour": 5, "minute": 51}
